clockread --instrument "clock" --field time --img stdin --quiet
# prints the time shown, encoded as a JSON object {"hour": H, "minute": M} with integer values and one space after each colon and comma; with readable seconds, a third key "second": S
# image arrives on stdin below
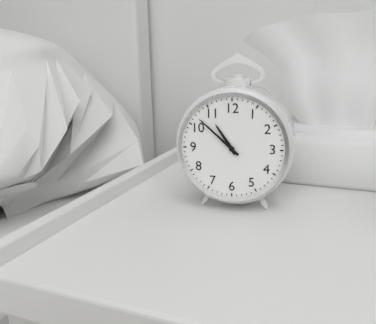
{"hour": 10, "minute": 52}
